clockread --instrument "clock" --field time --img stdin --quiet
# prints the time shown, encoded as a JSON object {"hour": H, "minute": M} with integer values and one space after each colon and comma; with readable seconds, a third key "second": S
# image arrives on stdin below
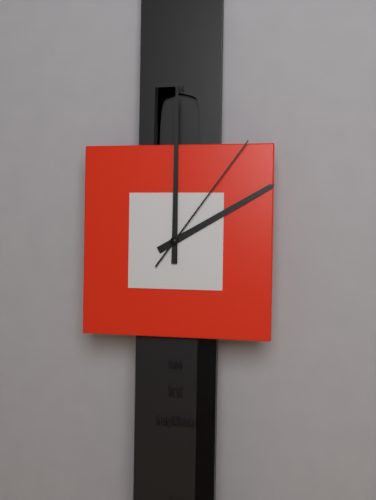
{"hour": 2, "minute": 0, "second": 6}
